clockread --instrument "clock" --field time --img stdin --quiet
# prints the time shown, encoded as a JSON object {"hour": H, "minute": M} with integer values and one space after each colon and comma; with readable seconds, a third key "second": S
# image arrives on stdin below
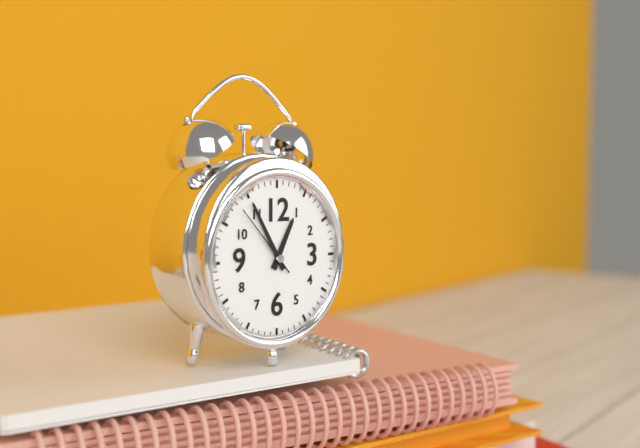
{"hour": 12, "minute": 55, "second": 53}
